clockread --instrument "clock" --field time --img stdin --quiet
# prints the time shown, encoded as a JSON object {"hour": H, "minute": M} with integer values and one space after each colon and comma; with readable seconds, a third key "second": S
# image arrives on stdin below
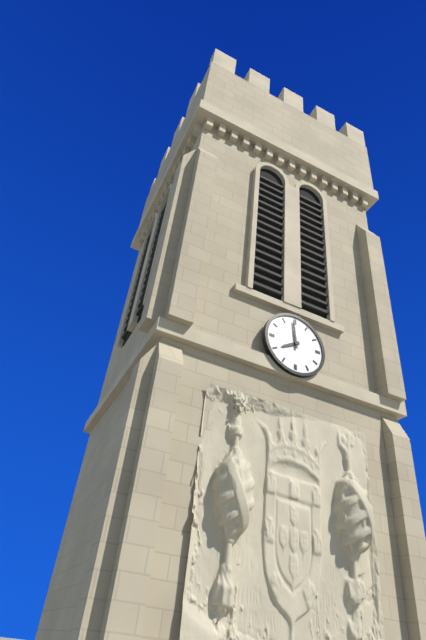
{"hour": 7, "minute": 59}
